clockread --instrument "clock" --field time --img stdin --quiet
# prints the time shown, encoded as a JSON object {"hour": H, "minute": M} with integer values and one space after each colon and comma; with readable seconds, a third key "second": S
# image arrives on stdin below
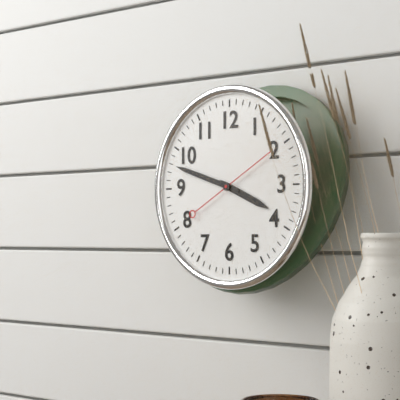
{"hour": 3, "minute": 48, "second": 10}
